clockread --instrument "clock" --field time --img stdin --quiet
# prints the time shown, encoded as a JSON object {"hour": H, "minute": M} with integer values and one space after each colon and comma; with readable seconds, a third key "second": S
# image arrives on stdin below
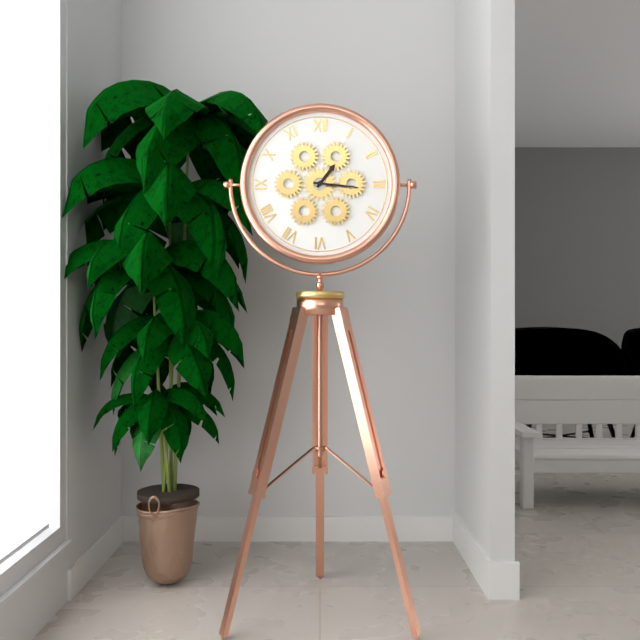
{"hour": 1, "minute": 16}
